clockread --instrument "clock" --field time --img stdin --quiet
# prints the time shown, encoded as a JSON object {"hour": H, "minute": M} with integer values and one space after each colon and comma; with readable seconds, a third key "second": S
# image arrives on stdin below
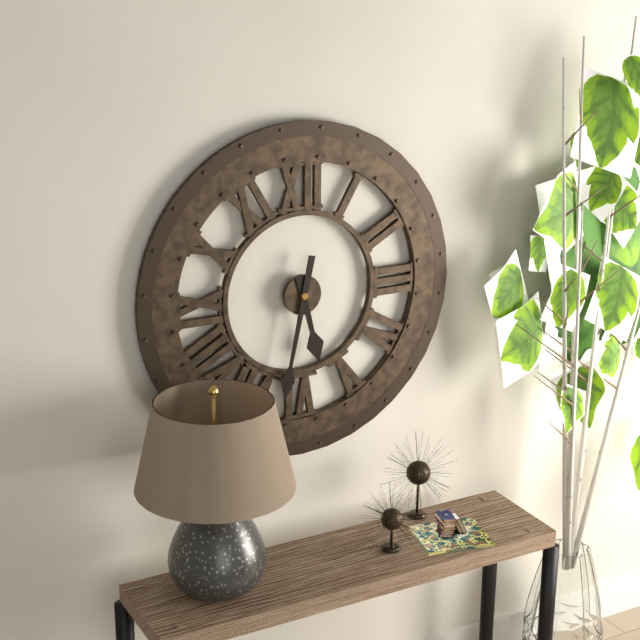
{"hour": 5, "minute": 32}
